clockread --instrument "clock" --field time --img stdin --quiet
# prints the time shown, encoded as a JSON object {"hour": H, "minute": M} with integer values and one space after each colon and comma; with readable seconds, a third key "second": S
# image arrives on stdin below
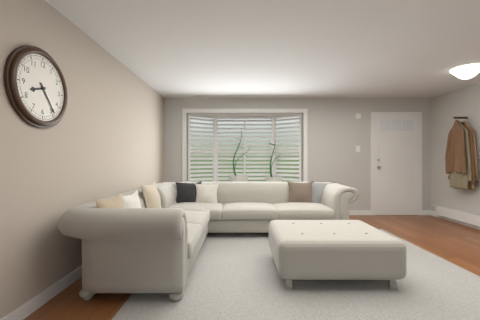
{"hour": 8, "minute": 24}
